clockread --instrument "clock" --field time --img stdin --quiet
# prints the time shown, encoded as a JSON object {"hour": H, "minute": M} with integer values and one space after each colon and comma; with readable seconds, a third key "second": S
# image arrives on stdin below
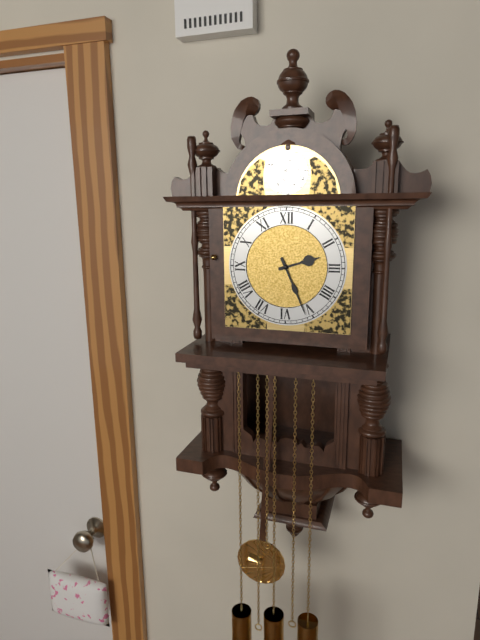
{"hour": 2, "minute": 26}
